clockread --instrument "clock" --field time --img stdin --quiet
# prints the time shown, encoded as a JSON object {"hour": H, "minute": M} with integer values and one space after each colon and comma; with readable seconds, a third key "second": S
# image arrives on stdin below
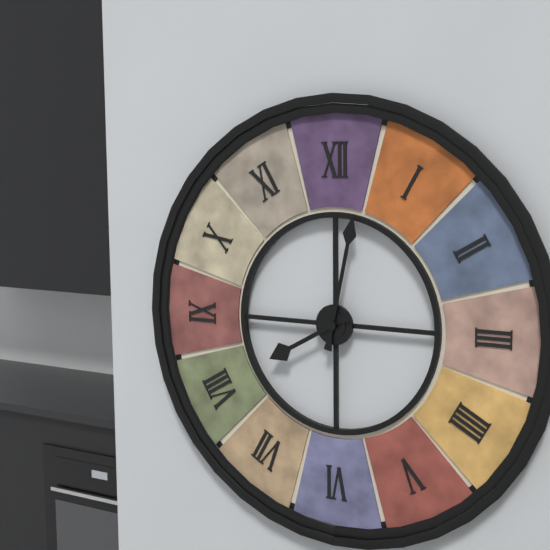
{"hour": 8, "minute": 2}
